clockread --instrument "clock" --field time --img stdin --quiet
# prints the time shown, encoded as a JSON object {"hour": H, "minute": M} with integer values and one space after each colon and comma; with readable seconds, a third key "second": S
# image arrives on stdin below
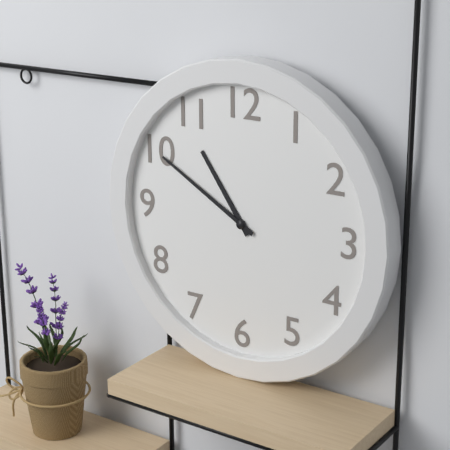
{"hour": 10, "minute": 50}
